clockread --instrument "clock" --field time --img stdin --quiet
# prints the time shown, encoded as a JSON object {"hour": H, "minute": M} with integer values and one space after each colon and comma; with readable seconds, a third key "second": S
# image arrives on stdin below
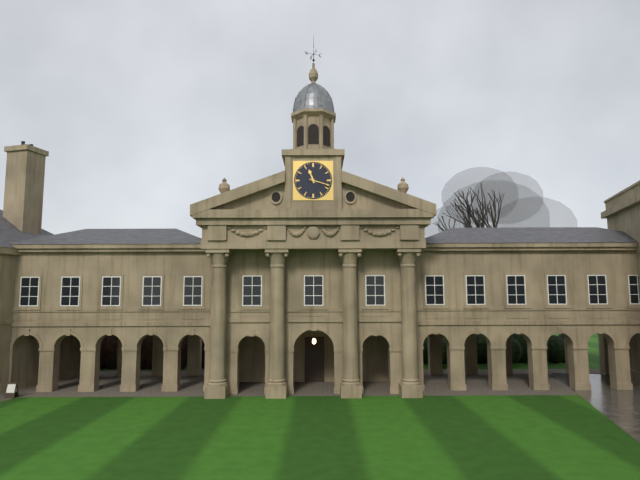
{"hour": 11, "minute": 18}
